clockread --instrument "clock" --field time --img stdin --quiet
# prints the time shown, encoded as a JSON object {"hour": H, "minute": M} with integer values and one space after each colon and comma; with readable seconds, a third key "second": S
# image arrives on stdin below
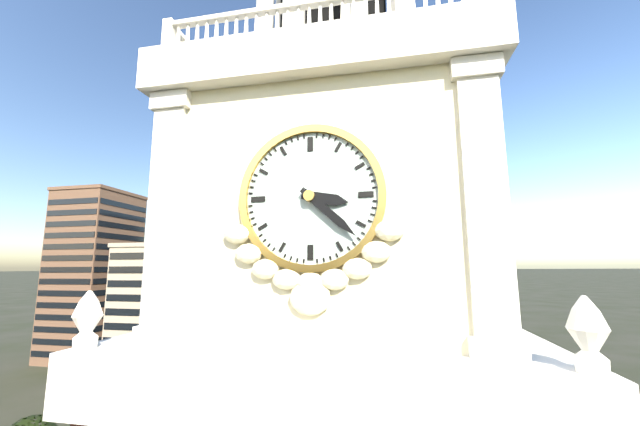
{"hour": 3, "minute": 22}
